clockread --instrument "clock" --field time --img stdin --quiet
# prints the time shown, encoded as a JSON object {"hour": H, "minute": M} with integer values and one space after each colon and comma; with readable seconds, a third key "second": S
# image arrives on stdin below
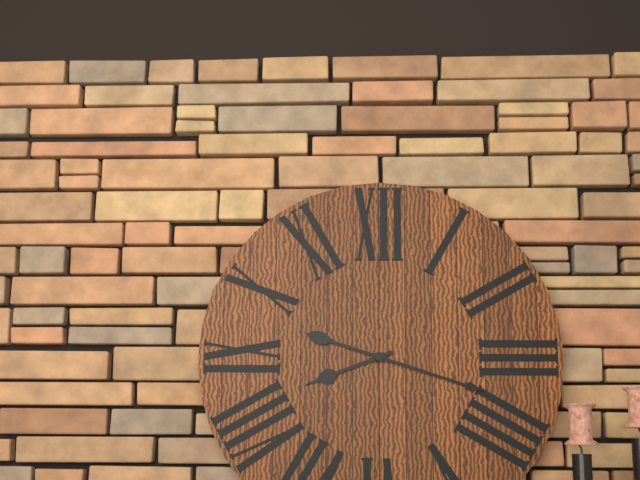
{"hour": 8, "minute": 18}
